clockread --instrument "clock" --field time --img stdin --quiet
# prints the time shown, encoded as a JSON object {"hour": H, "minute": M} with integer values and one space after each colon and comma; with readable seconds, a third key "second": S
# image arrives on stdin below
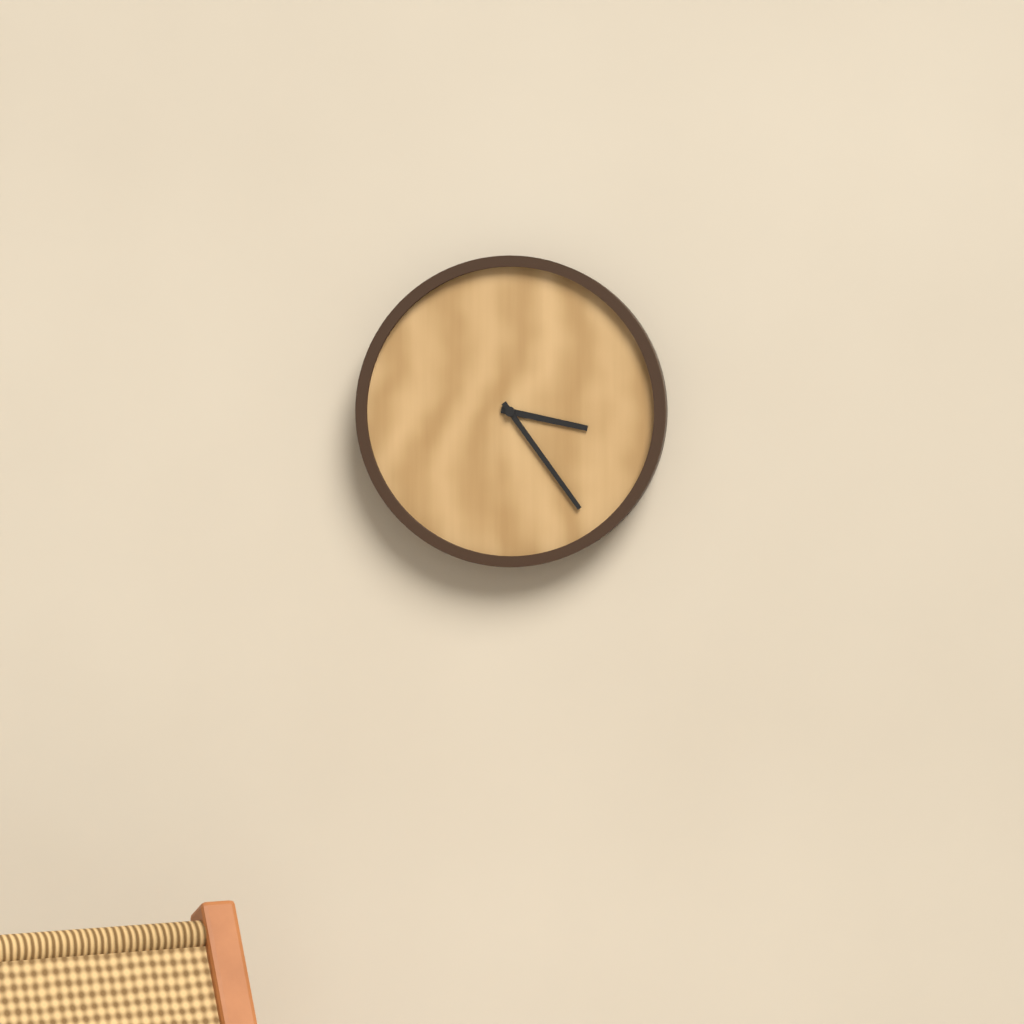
{"hour": 3, "minute": 24}
